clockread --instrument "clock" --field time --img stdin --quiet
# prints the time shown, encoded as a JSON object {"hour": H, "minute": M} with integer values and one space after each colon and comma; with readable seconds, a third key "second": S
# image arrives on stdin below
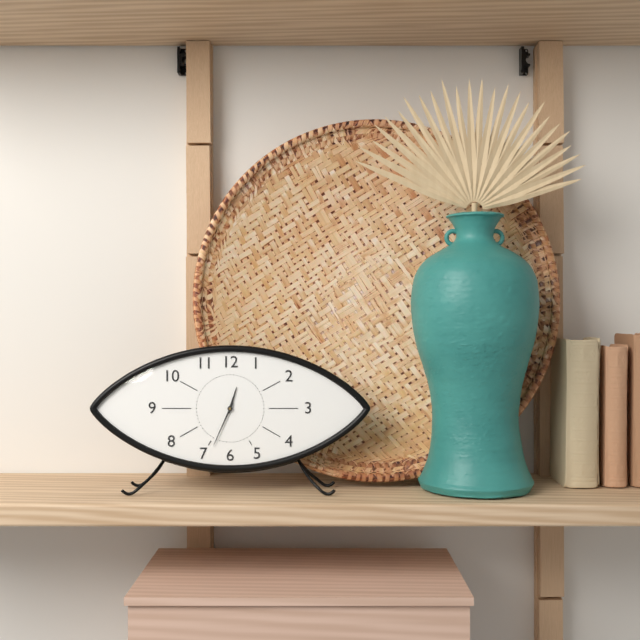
{"hour": 12, "minute": 34}
